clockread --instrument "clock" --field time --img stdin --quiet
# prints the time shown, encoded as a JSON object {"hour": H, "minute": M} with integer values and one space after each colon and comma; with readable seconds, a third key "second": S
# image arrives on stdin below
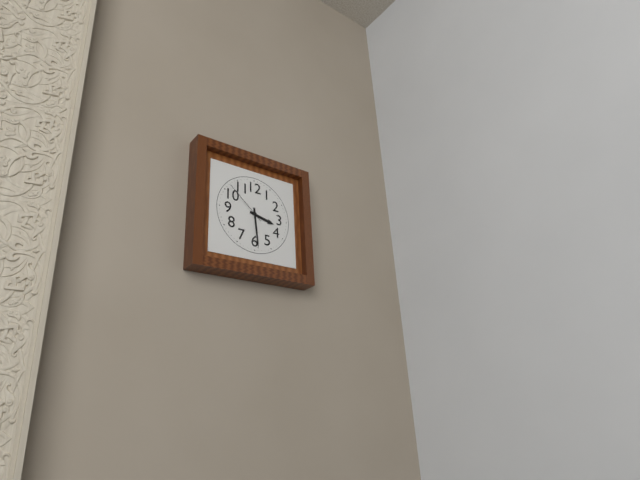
{"hour": 3, "minute": 29}
